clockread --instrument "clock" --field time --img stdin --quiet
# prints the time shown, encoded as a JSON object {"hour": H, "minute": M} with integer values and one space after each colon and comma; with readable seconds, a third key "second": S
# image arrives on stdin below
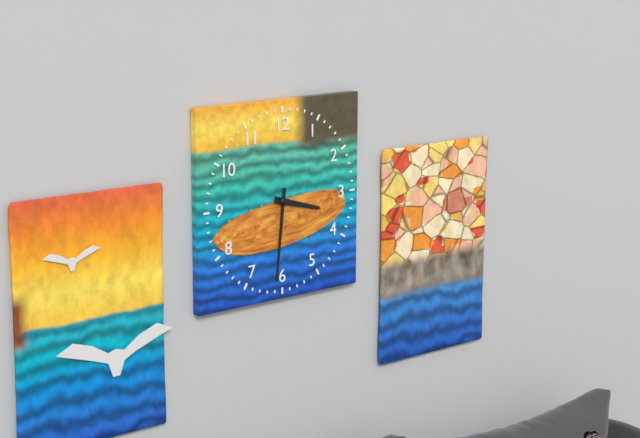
{"hour": 3, "minute": 31}
